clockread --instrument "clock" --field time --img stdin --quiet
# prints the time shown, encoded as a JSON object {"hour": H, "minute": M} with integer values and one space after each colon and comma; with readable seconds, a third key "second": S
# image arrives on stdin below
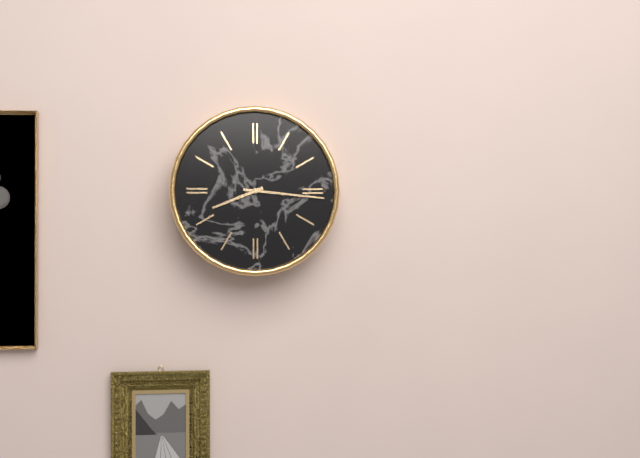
{"hour": 8, "minute": 16}
